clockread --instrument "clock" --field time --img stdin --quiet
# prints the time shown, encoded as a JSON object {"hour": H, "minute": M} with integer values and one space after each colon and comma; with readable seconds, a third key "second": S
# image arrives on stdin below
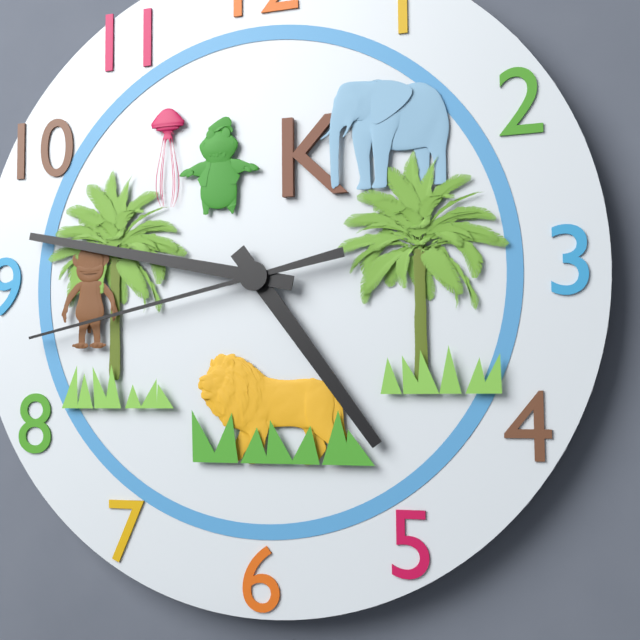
{"hour": 4, "minute": 47, "second": 43}
